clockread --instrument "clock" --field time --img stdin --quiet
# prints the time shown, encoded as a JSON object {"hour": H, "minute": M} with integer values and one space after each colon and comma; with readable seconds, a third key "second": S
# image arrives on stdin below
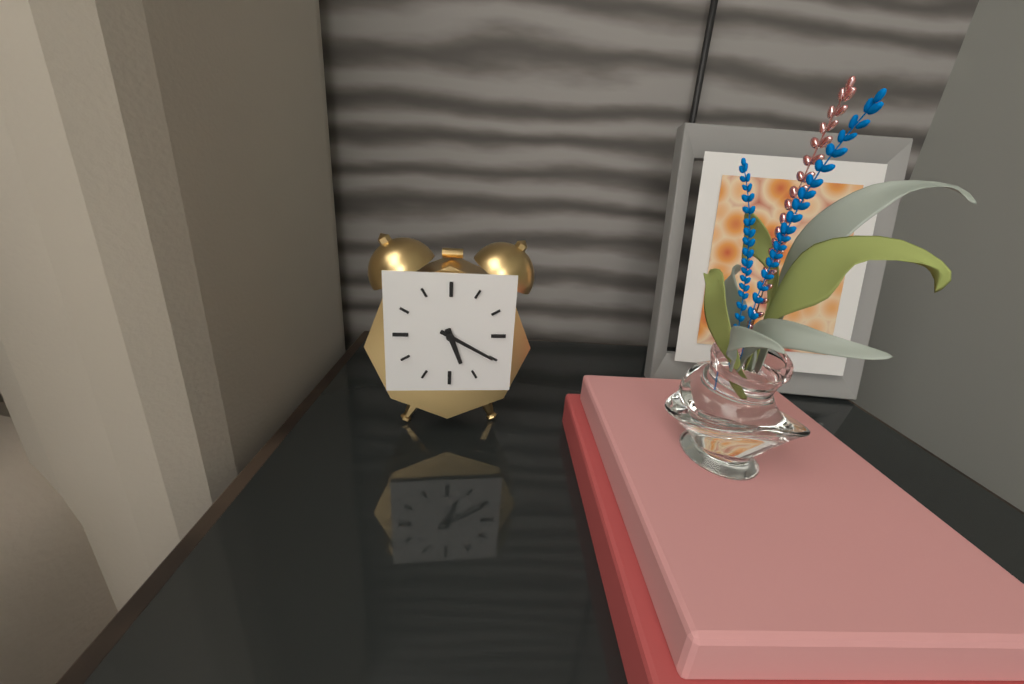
{"hour": 5, "minute": 20}
